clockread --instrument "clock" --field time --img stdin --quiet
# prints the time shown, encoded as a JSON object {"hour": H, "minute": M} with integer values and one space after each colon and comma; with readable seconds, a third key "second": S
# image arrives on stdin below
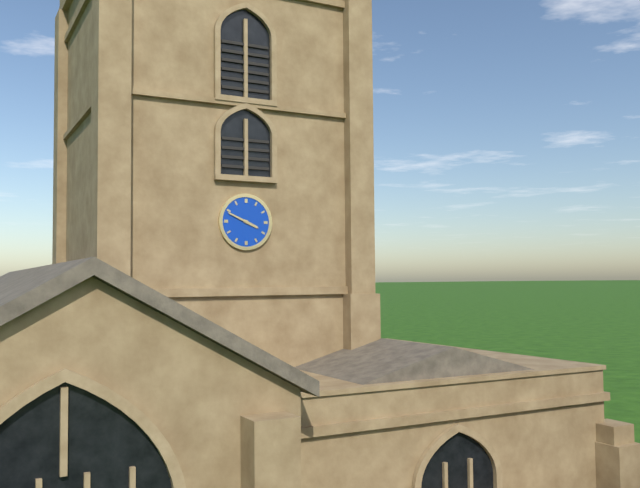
{"hour": 3, "minute": 49}
